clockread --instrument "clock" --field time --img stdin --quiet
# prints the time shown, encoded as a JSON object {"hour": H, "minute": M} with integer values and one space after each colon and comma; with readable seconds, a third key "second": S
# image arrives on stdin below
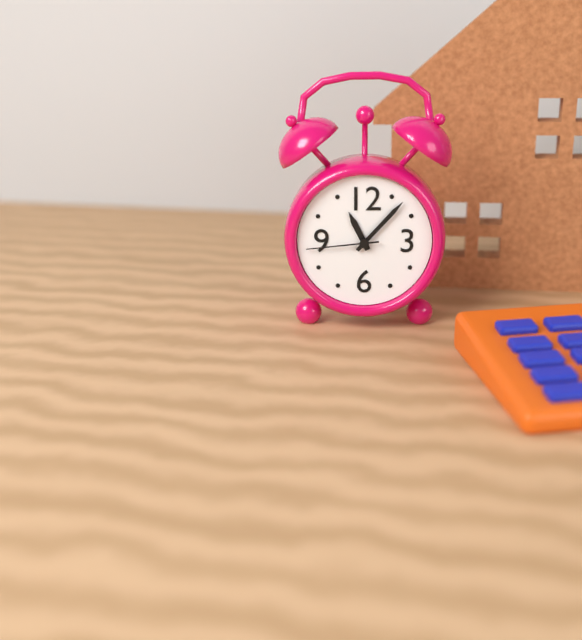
{"hour": 11, "minute": 7, "second": 44}
